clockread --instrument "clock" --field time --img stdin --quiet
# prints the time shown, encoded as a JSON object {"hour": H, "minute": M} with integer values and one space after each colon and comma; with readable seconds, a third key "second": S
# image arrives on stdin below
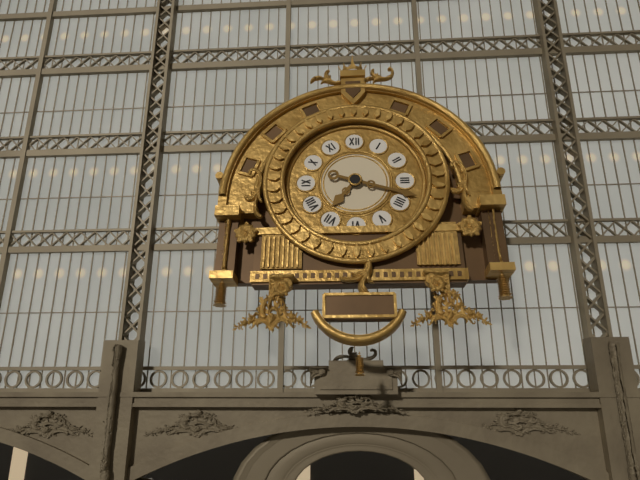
{"hour": 7, "minute": 18}
